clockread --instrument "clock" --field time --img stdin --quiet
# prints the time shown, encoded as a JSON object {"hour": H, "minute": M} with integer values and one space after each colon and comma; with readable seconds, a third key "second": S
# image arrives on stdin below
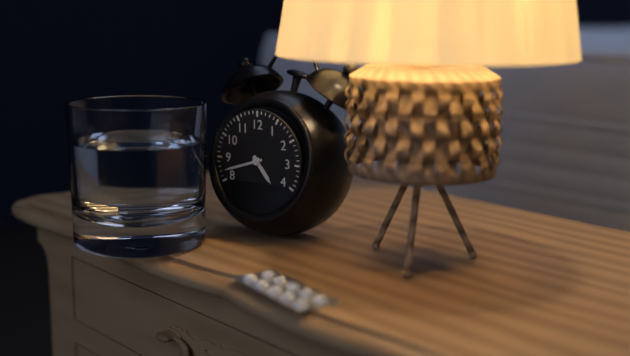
{"hour": 4, "minute": 42}
